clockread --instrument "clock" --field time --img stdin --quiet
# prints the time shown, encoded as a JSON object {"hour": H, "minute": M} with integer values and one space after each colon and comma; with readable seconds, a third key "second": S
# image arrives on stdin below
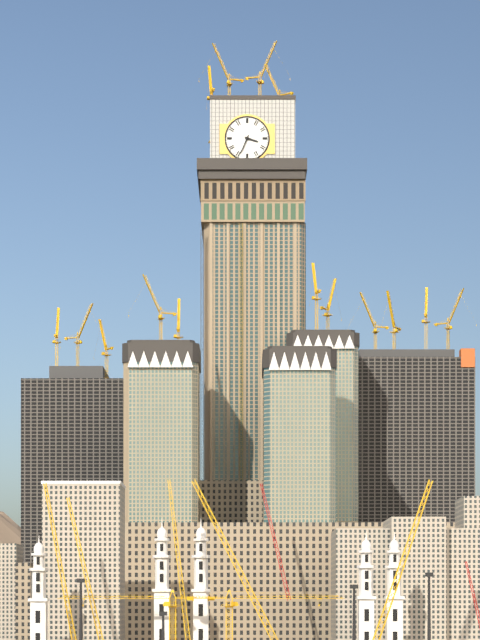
{"hour": 3, "minute": 34}
